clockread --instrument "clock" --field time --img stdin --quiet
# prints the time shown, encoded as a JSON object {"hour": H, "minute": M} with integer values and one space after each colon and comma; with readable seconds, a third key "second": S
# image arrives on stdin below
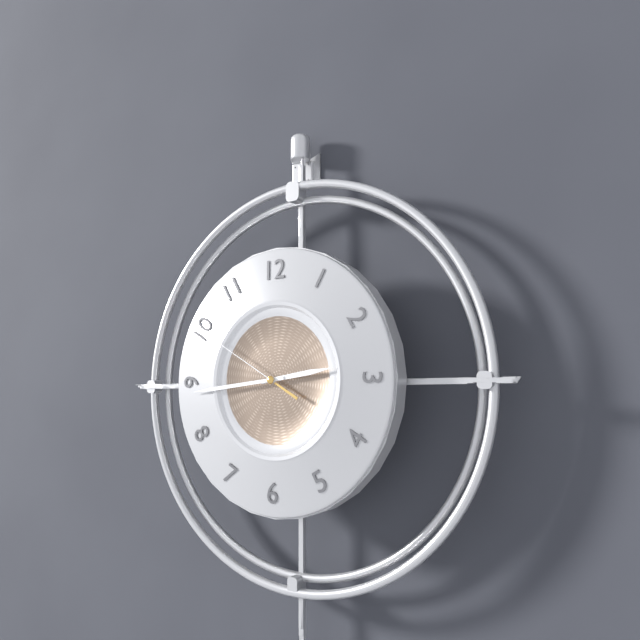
{"hour": 2, "minute": 44, "second": 50}
